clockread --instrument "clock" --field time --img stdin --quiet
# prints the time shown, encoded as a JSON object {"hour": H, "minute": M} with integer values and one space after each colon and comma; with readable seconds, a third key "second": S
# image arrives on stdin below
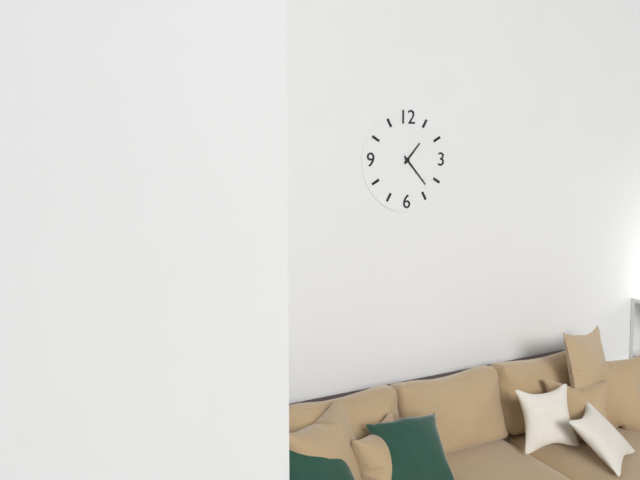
{"hour": 1, "minute": 23}
